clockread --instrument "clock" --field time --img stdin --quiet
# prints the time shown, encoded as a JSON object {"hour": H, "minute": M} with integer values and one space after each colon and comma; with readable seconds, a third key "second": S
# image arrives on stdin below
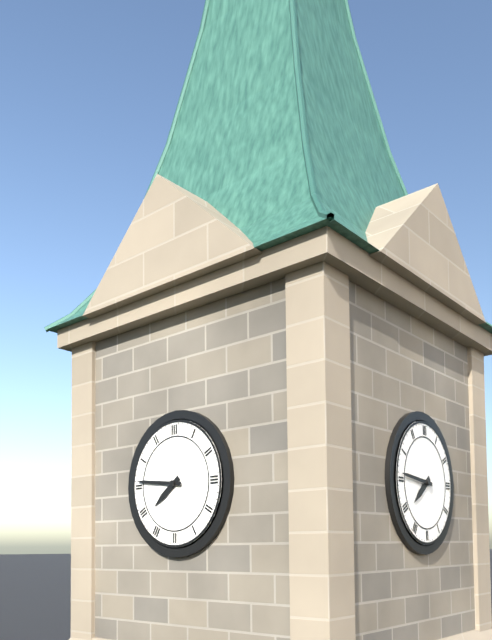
{"hour": 7, "minute": 46}
